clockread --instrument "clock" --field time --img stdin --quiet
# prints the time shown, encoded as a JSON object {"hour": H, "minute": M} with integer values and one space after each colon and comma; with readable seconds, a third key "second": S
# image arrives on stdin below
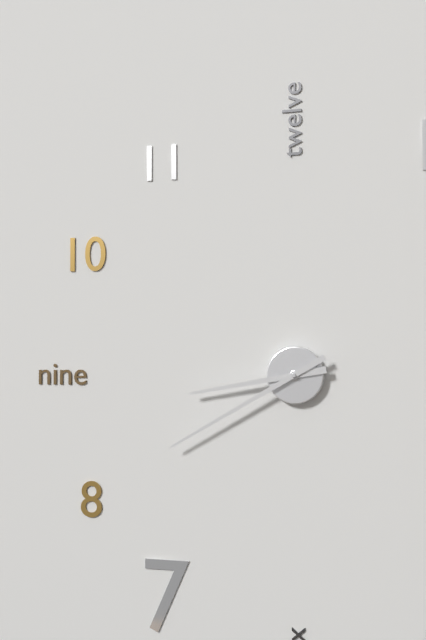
{"hour": 8, "minute": 40}
